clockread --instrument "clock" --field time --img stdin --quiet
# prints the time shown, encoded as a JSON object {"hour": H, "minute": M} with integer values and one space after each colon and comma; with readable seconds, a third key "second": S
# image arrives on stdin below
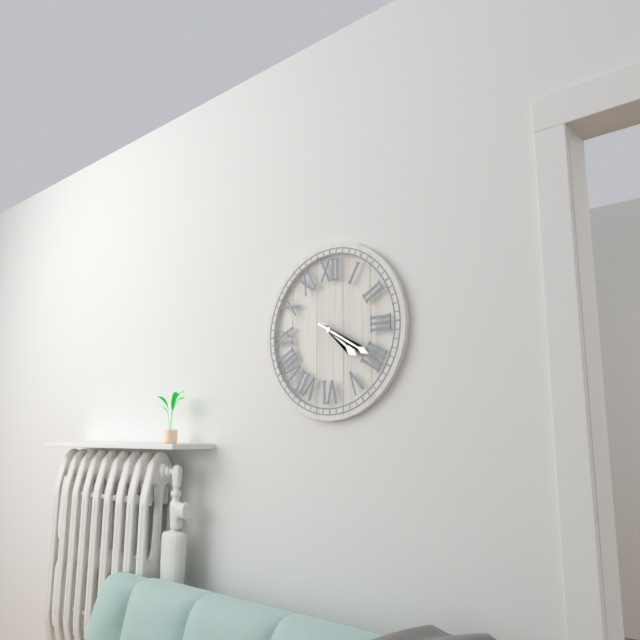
{"hour": 4, "minute": 20}
